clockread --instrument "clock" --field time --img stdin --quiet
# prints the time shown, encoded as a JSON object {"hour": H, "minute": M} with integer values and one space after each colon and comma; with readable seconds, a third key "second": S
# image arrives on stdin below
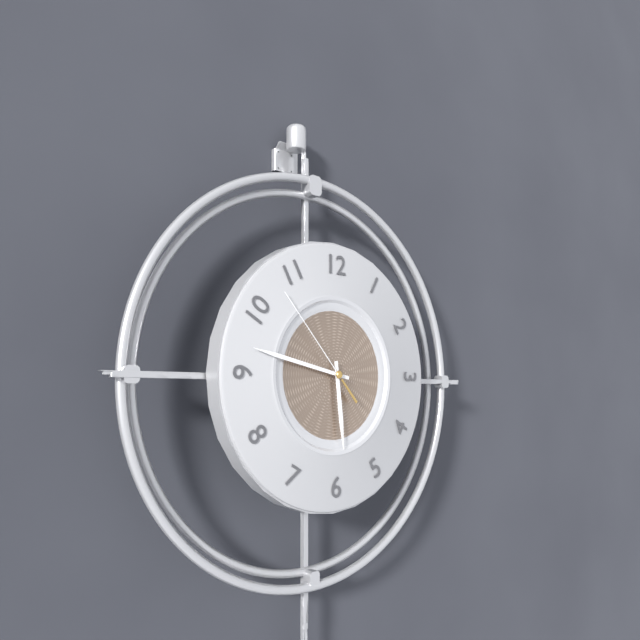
{"hour": 5, "minute": 47, "second": 53}
